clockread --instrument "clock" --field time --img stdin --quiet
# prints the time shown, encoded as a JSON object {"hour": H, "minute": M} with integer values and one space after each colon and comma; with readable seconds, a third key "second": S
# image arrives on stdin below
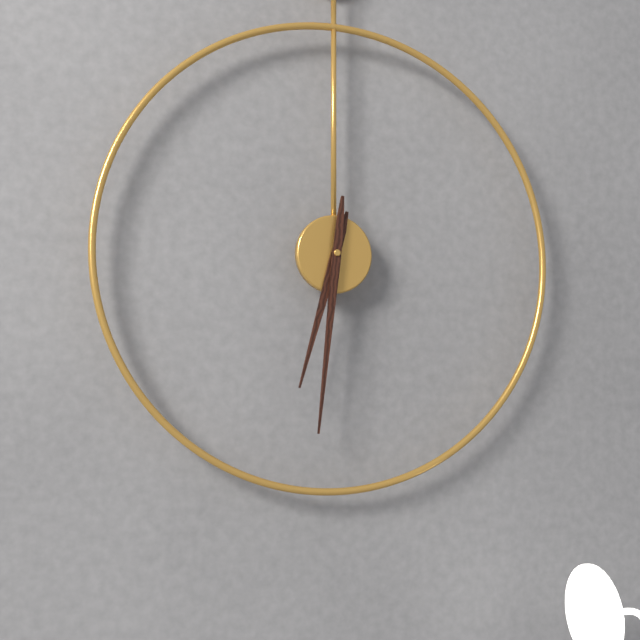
{"hour": 6, "minute": 31}
